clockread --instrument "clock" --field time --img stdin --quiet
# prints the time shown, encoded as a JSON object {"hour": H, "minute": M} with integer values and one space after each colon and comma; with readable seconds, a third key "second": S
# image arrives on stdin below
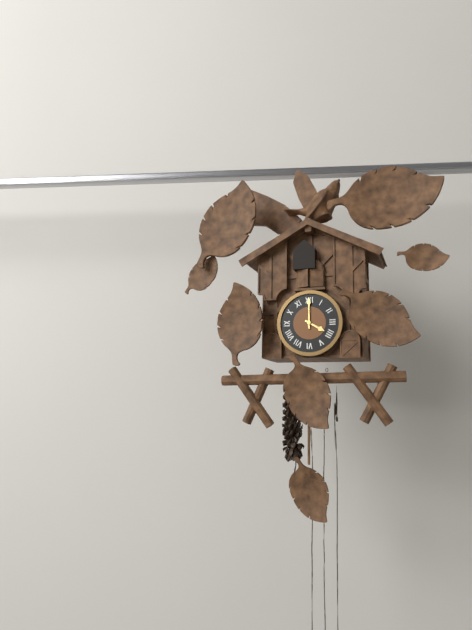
{"hour": 4, "minute": 0}
